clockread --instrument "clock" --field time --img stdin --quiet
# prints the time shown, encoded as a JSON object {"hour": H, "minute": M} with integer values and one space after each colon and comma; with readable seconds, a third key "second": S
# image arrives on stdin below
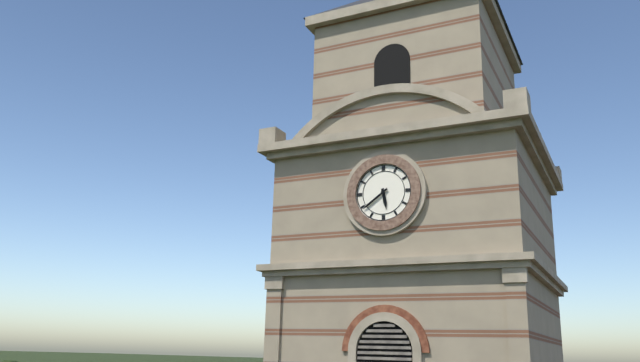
{"hour": 5, "minute": 39}
